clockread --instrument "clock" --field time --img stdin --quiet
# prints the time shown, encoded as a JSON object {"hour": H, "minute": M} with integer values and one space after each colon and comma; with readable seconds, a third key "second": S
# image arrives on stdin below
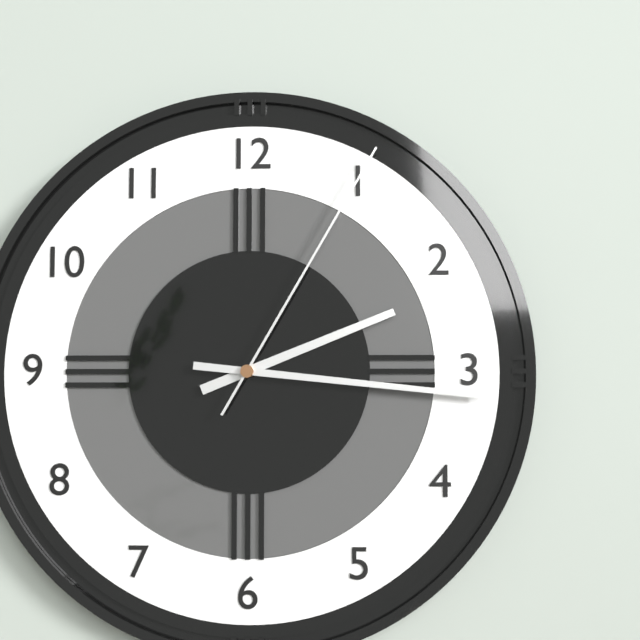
{"hour": 2, "minute": 16, "second": 5}
